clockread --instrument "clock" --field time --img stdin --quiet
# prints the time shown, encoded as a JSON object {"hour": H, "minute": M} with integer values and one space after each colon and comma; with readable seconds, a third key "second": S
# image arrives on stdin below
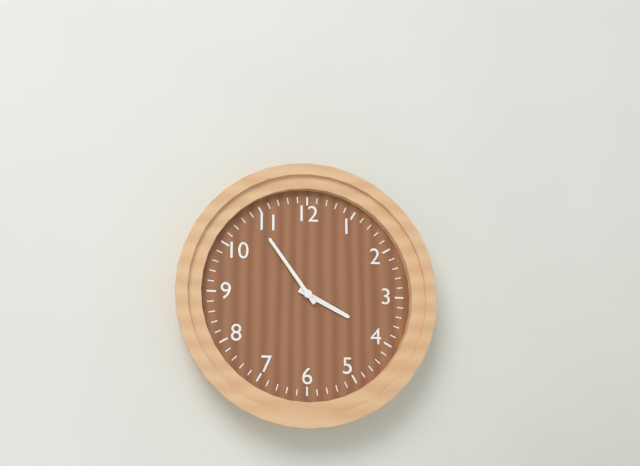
{"hour": 3, "minute": 54}
